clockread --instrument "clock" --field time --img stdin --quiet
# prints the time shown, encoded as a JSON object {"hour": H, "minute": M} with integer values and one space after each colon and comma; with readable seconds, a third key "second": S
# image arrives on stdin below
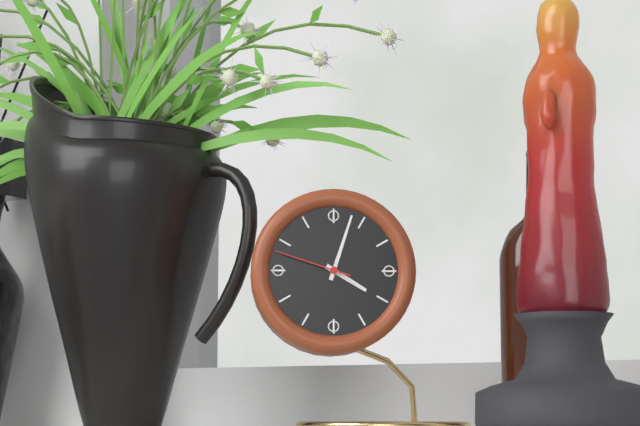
{"hour": 4, "minute": 3, "second": 48}
